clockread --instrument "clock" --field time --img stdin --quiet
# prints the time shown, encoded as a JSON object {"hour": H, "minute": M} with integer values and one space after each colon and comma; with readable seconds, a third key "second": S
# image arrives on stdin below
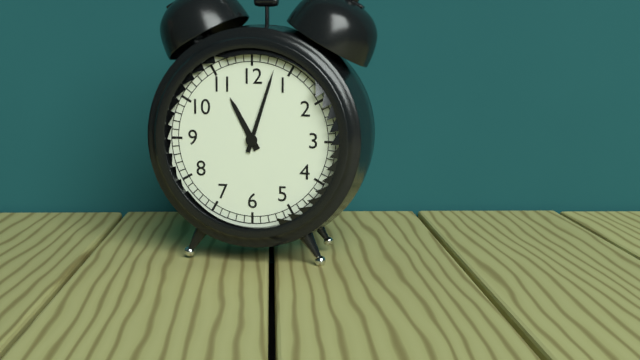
{"hour": 11, "minute": 3}
